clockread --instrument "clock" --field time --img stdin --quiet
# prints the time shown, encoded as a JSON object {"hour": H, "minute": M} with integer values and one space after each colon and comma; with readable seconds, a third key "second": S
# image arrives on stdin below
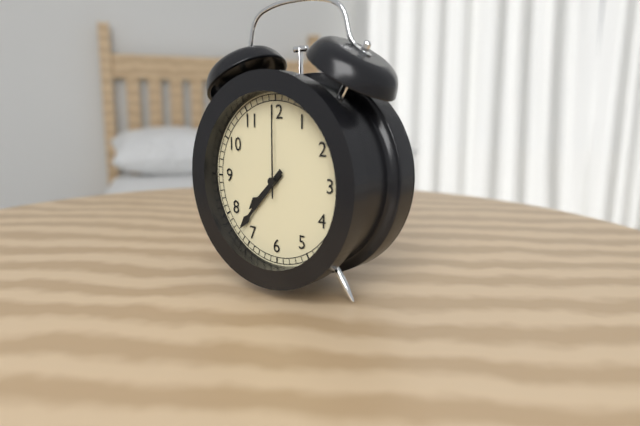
{"hour": 7, "minute": 37, "second": 0}
